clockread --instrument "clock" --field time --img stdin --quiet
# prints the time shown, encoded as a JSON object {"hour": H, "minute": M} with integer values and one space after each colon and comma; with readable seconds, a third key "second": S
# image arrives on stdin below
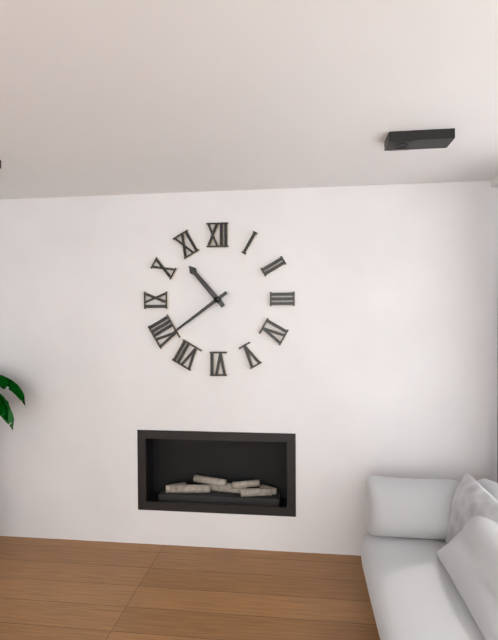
{"hour": 10, "minute": 39}
